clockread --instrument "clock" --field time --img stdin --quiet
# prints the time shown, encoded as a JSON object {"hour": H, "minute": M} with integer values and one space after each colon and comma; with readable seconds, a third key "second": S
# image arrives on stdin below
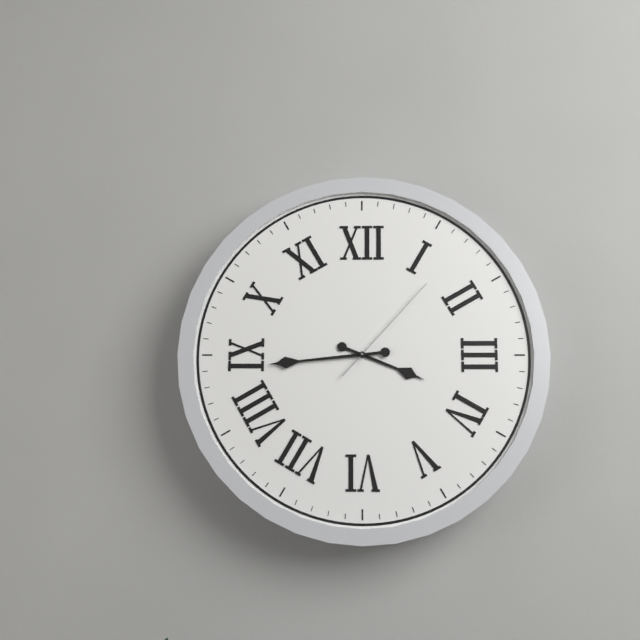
{"hour": 3, "minute": 44, "second": 7}
